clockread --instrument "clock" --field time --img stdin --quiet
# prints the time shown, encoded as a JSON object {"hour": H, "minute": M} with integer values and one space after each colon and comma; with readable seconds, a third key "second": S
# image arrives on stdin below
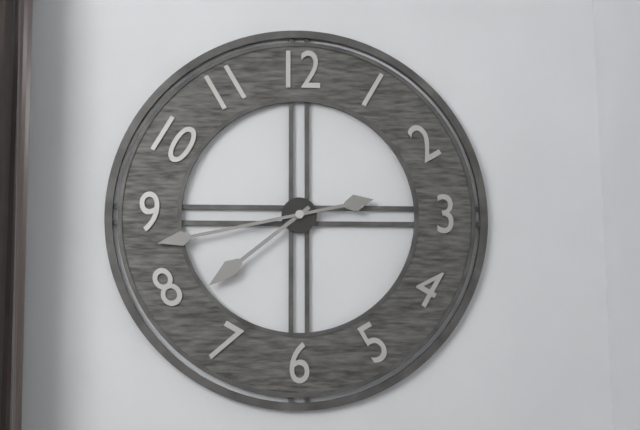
{"hour": 7, "minute": 43}
